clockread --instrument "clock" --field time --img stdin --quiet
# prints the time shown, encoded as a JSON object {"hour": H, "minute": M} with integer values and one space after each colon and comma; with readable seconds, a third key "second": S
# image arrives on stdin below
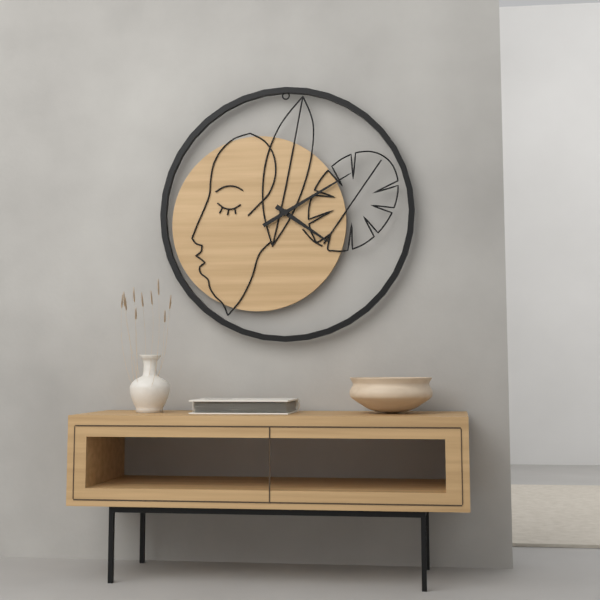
{"hour": 4, "minute": 10}
